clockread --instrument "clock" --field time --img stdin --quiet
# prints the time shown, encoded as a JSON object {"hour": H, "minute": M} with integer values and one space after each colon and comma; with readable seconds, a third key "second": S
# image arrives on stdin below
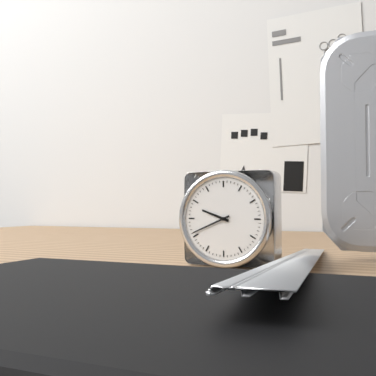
{"hour": 9, "minute": 41}
